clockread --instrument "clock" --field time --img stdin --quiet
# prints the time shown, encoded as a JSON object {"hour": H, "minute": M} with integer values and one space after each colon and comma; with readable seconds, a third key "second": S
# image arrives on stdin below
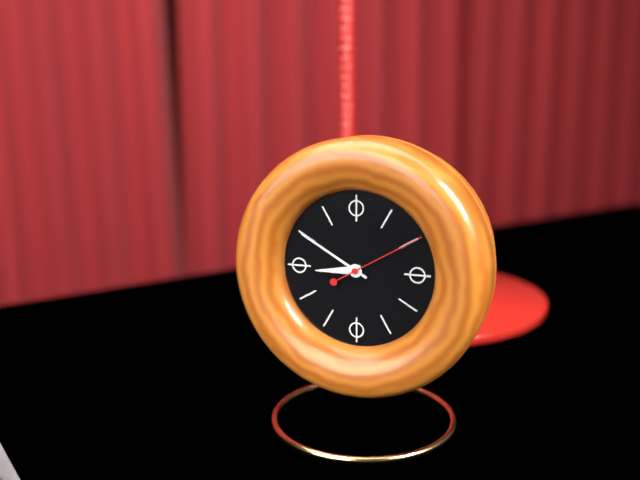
{"hour": 8, "minute": 50, "second": 10}
